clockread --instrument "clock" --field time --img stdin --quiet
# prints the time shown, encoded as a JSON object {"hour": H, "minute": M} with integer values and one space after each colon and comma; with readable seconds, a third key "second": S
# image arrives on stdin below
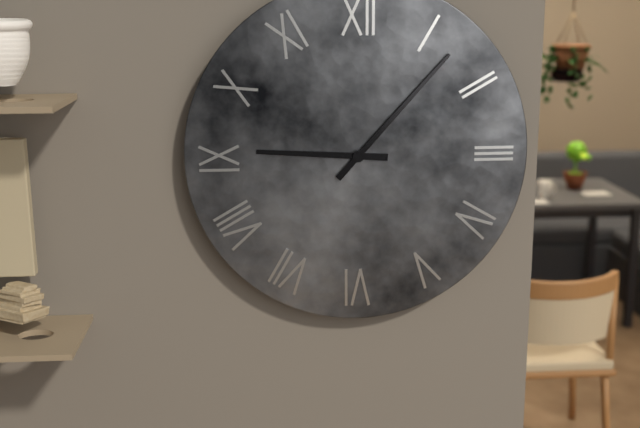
{"hour": 9, "minute": 7}
